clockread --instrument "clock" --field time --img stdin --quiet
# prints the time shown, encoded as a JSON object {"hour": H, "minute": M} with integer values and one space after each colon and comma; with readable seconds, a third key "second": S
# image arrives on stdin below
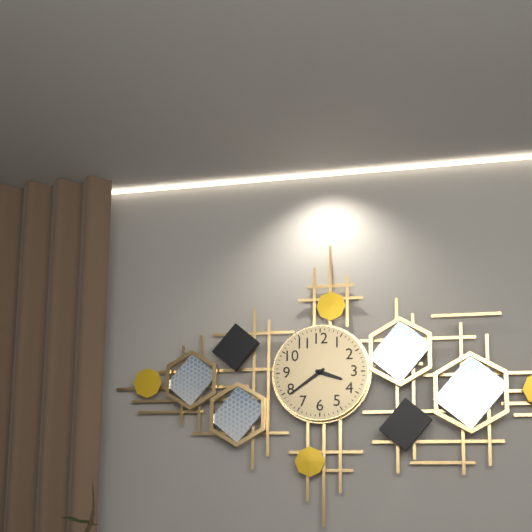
{"hour": 3, "minute": 39}
